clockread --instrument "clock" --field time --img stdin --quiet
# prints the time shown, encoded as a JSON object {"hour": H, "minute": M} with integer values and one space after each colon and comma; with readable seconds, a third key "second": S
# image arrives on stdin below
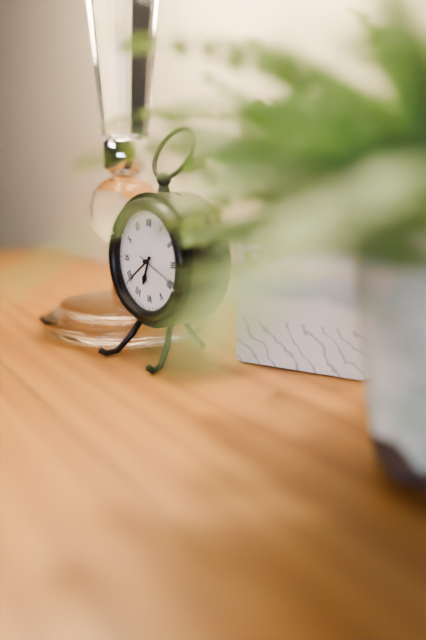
{"hour": 6, "minute": 39}
